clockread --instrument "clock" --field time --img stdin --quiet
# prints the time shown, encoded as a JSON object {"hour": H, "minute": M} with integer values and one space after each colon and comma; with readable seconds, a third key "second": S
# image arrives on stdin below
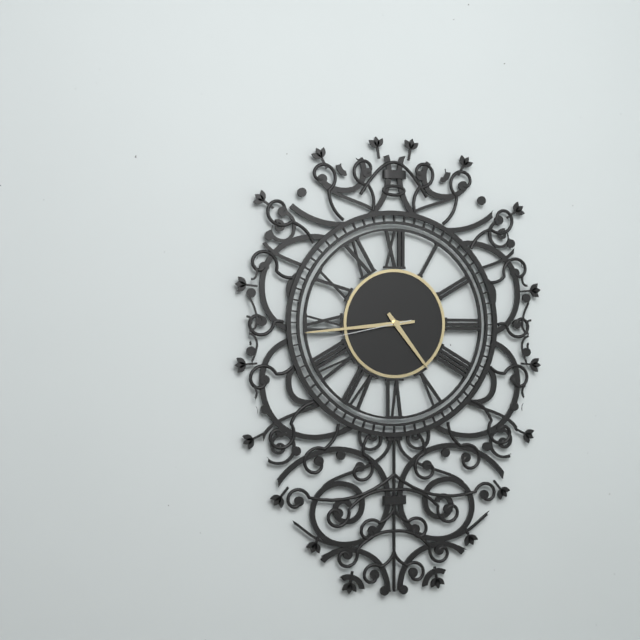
{"hour": 4, "minute": 44, "second": 43}
